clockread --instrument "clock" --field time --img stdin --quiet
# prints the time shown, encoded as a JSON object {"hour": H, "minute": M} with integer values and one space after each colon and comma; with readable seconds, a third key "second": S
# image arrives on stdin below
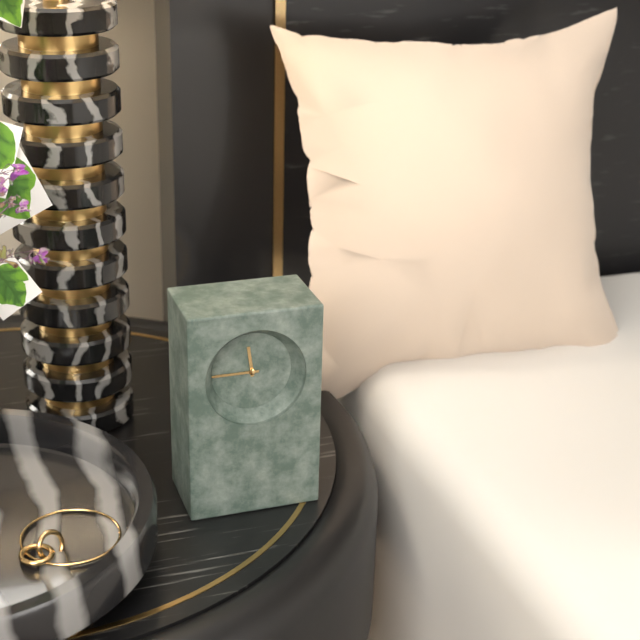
{"hour": 11, "minute": 45}
